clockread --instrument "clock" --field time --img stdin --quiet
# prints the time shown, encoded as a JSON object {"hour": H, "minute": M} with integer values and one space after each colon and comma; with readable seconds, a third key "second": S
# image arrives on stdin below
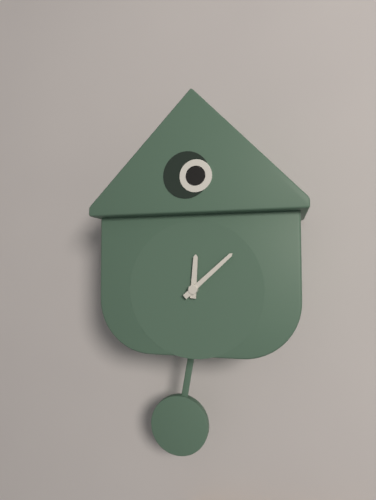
{"hour": 12, "minute": 8}
